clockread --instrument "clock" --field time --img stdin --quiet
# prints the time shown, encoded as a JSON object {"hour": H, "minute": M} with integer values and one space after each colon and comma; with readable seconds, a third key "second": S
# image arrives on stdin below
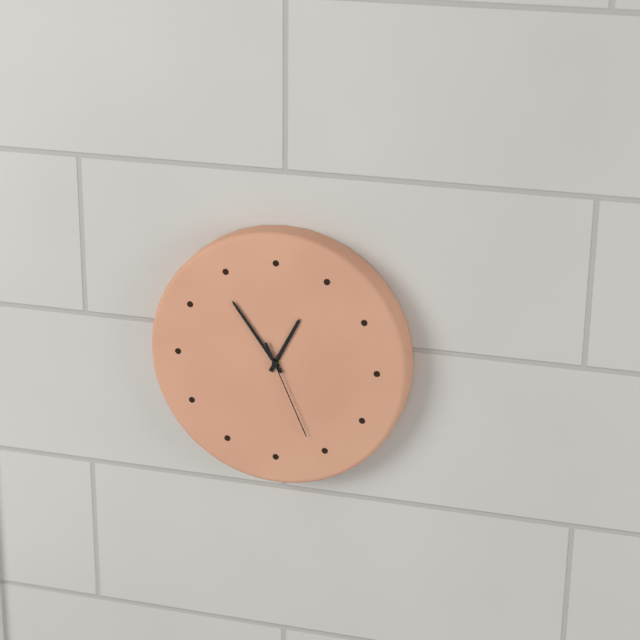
{"hour": 12, "minute": 54, "second": 26}
